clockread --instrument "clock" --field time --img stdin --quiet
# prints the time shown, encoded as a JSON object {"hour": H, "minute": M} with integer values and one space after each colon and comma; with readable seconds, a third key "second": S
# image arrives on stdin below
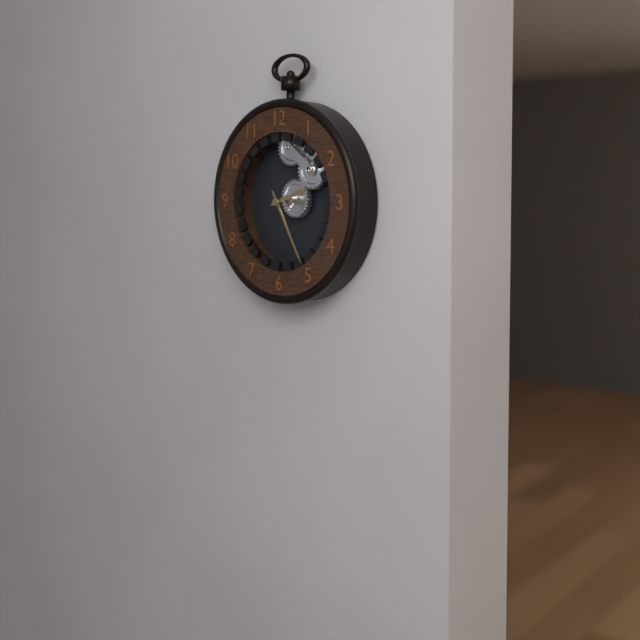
{"hour": 2, "minute": 25}
